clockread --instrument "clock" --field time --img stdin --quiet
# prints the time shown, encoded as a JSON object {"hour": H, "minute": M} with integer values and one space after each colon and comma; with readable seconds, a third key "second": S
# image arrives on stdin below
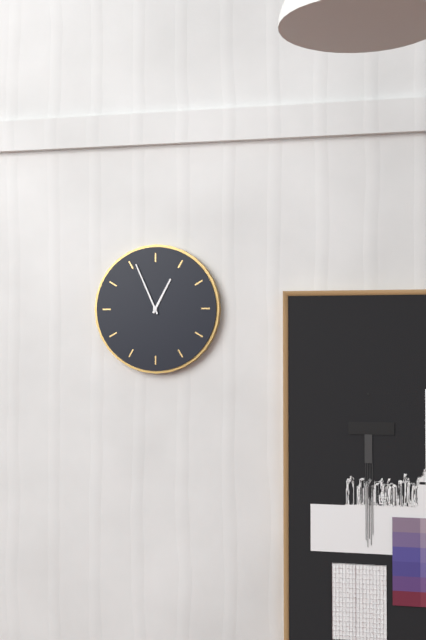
{"hour": 12, "minute": 56}
